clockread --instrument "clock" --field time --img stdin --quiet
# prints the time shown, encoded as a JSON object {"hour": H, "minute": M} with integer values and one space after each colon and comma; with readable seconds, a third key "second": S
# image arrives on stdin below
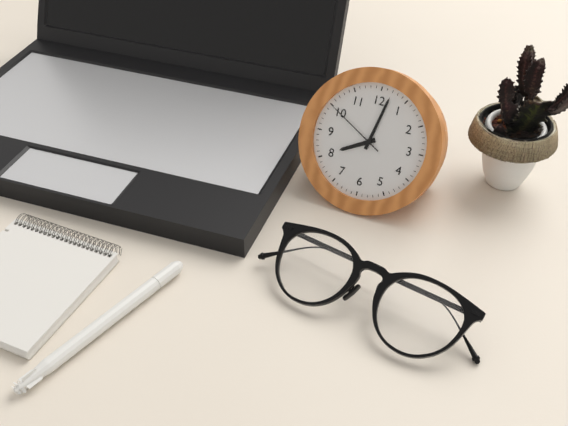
{"hour": 8, "minute": 2, "second": 50}
